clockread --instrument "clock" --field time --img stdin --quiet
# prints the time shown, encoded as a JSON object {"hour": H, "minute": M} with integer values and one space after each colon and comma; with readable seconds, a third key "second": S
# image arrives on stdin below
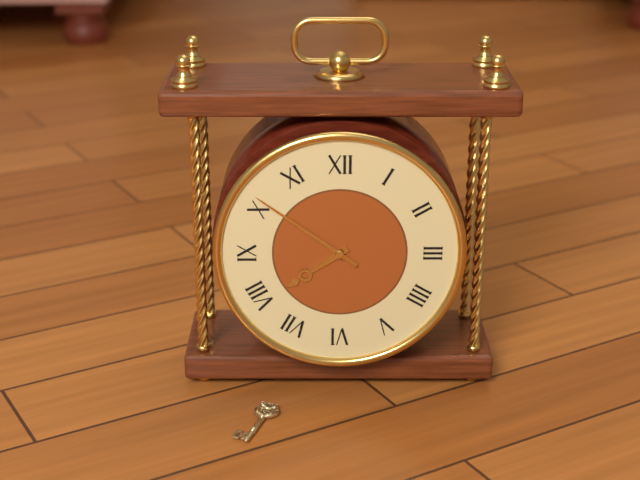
{"hour": 7, "minute": 51}
